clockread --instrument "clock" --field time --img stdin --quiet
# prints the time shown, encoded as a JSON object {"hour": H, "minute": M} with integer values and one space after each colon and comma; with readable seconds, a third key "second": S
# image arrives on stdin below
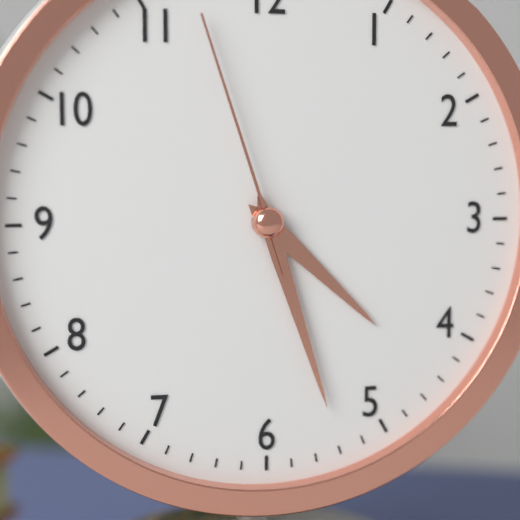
{"hour": 4, "minute": 27, "second": 57}
